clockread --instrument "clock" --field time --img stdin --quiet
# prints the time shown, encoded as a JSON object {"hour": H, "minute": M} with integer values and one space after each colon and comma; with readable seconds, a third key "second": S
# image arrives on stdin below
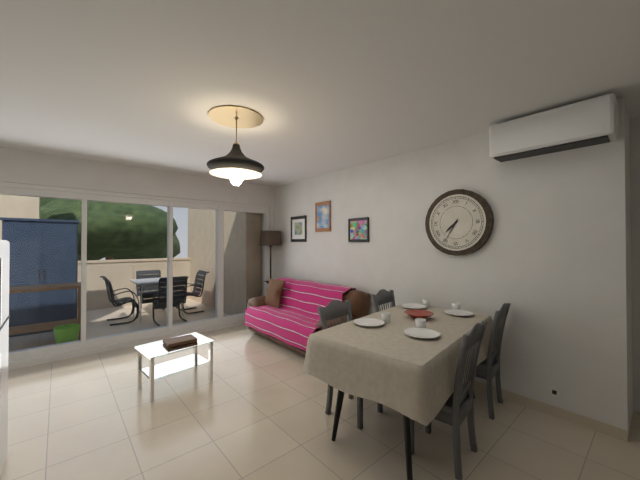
{"hour": 7, "minute": 35}
